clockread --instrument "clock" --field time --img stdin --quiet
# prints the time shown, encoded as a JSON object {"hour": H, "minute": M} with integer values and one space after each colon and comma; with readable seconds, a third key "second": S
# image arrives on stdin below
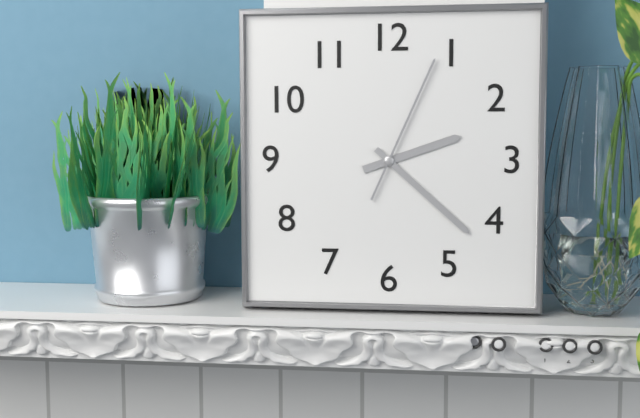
{"hour": 2, "minute": 22, "second": 4}
